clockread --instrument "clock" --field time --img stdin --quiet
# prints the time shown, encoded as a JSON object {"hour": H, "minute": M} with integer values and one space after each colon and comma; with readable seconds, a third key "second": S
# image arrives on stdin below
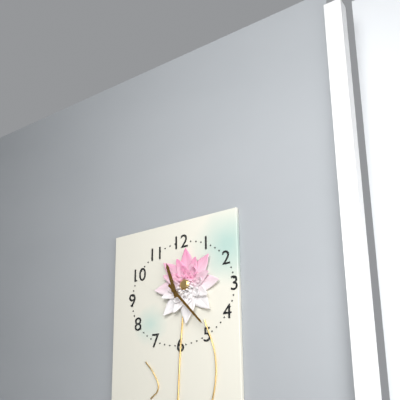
{"hour": 11, "minute": 23}
